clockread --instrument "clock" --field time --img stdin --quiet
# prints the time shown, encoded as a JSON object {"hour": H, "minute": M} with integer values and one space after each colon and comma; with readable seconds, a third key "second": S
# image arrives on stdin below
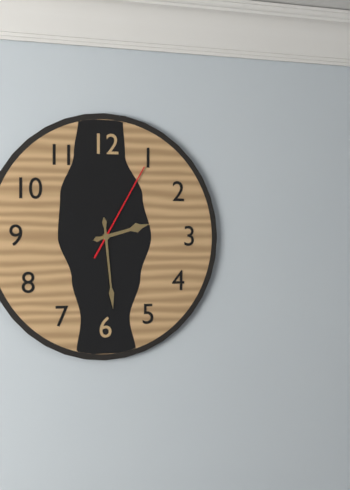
{"hour": 2, "minute": 29, "second": 5}
